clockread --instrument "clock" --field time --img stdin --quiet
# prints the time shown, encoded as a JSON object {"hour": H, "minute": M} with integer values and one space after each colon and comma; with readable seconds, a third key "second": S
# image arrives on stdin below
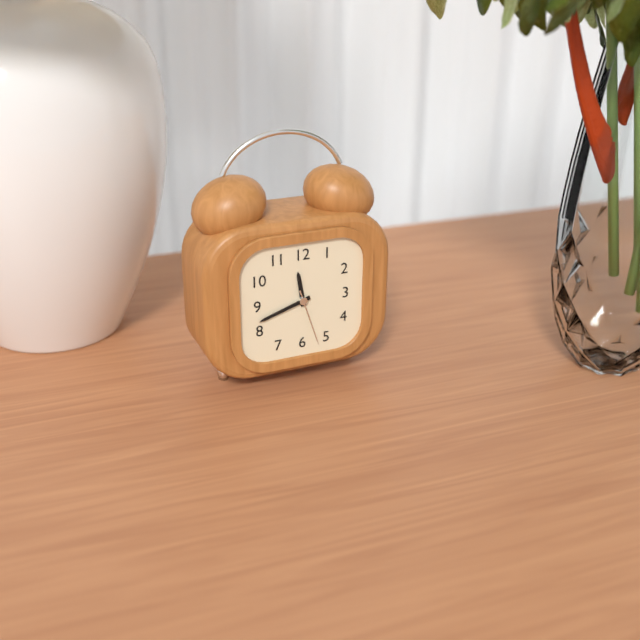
{"hour": 11, "minute": 42, "second": 27}
